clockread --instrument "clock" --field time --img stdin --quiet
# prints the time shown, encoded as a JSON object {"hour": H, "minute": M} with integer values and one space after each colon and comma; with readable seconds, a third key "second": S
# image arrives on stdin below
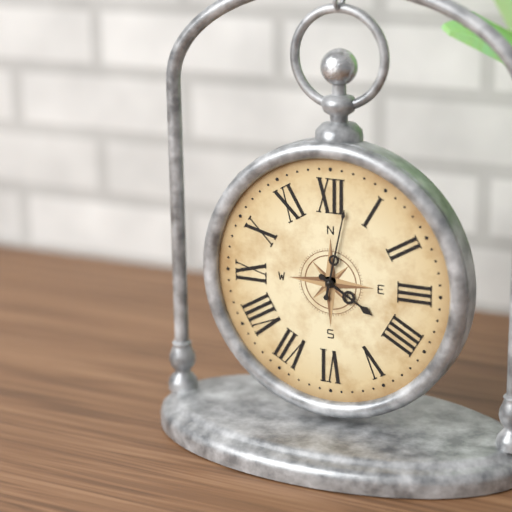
{"hour": 4, "minute": 2}
